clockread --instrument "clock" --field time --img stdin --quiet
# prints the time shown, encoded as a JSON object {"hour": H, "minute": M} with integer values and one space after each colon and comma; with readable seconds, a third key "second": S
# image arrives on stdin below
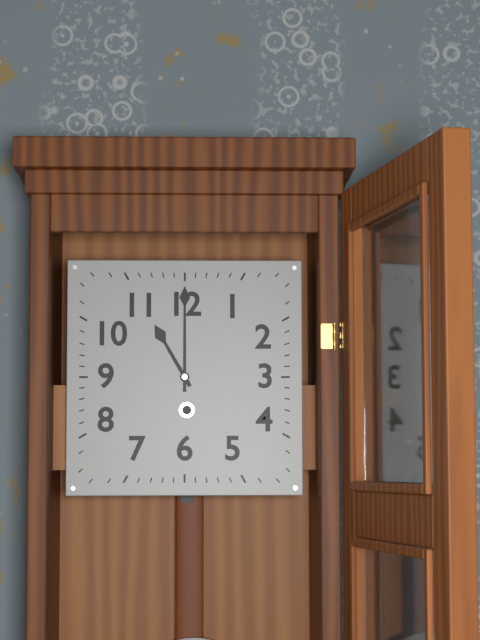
{"hour": 11, "minute": 0}
